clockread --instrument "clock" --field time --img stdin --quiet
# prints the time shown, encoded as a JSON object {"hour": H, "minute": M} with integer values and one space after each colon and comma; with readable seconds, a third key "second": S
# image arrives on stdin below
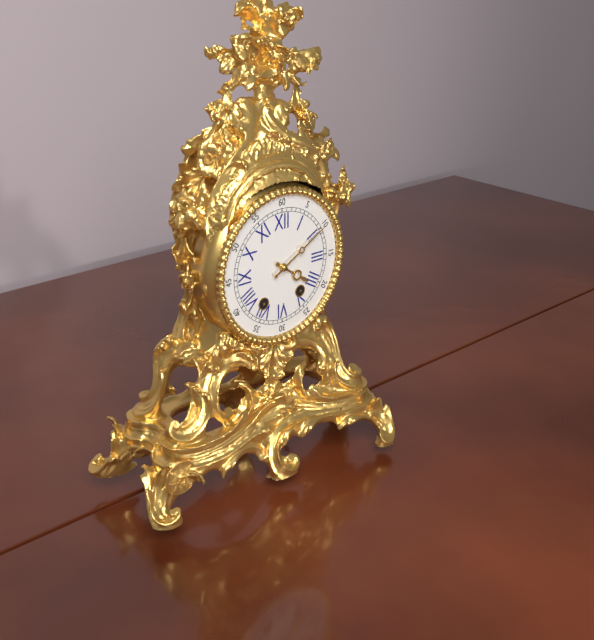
{"hour": 4, "minute": 10}
